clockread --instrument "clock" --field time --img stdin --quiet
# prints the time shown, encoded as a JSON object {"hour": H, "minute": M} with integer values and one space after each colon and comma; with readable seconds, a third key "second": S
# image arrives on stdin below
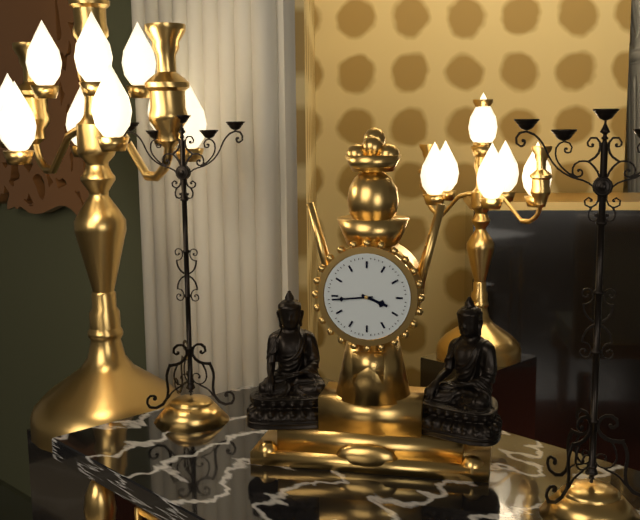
{"hour": 3, "minute": 44}
